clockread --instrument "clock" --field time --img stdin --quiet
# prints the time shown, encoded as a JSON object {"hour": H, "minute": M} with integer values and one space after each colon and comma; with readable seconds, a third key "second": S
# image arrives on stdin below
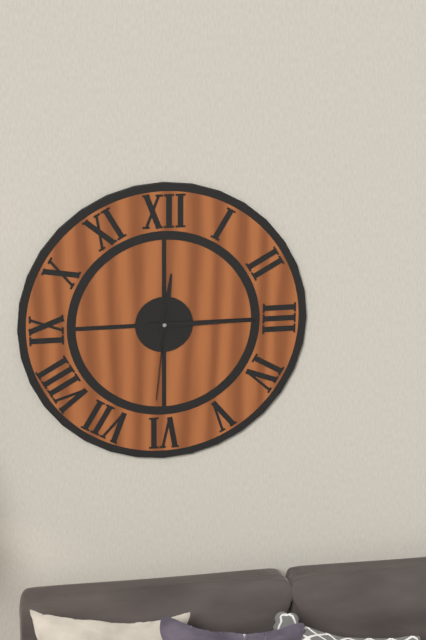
{"hour": 12, "minute": 15, "second": 31}
